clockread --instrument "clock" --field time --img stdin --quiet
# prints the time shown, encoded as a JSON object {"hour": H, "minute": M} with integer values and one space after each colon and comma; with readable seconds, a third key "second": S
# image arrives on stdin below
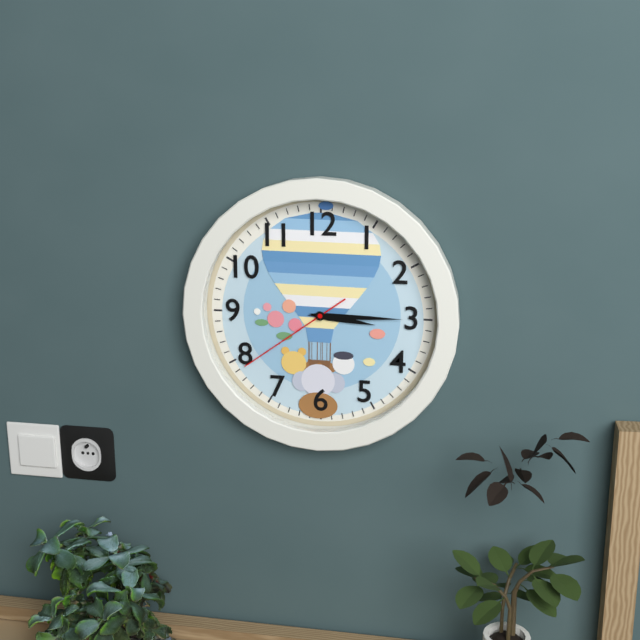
{"hour": 3, "minute": 15, "second": 39}
